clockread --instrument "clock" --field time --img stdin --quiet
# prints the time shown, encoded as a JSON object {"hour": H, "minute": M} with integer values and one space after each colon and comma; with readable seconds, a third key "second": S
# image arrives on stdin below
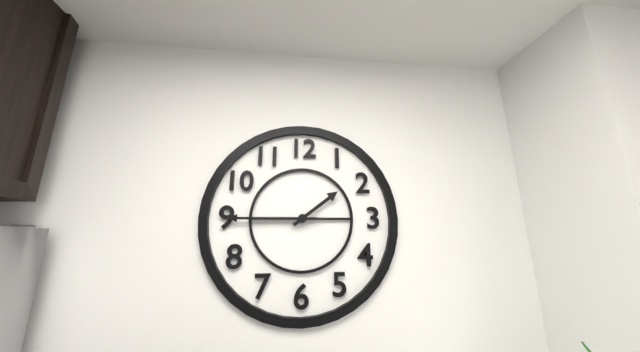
{"hour": 1, "minute": 45}
